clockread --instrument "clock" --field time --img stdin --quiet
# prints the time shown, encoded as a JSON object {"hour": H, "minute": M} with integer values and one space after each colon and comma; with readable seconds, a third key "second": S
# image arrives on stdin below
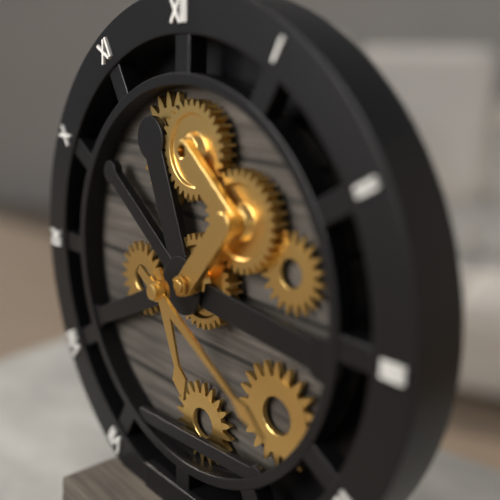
{"hour": 5, "minute": 20}
